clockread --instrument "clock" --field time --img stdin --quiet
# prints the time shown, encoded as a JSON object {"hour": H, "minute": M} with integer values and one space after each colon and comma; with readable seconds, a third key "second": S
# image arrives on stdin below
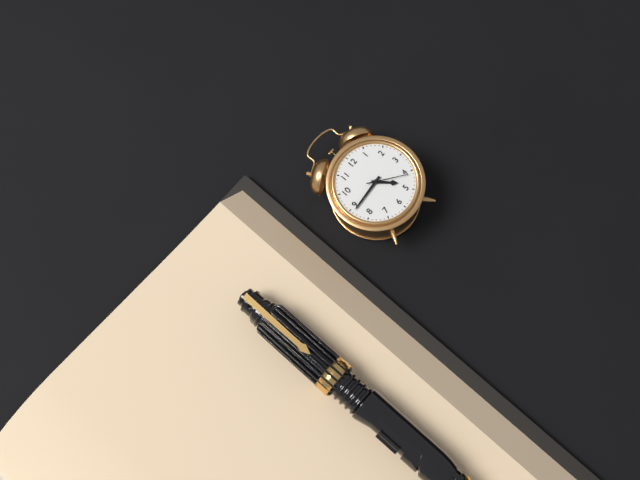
{"hour": 4, "minute": 44}
